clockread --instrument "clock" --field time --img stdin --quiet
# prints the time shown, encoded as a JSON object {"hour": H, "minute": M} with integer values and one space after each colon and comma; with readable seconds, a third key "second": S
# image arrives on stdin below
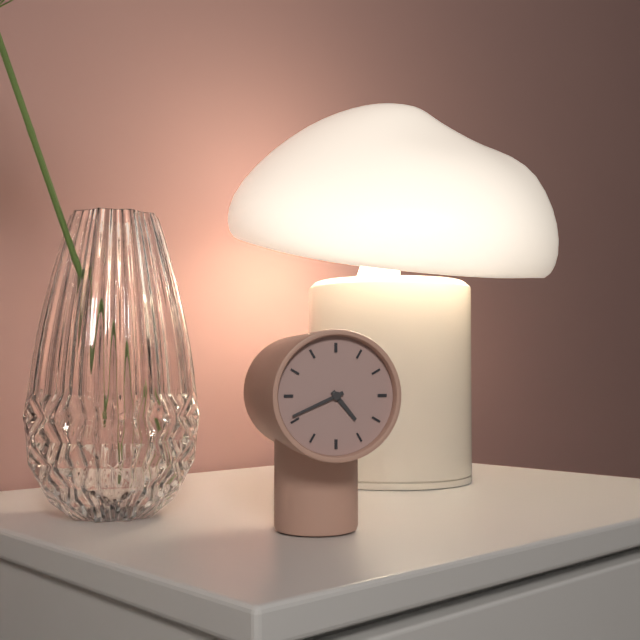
{"hour": 4, "minute": 41}
